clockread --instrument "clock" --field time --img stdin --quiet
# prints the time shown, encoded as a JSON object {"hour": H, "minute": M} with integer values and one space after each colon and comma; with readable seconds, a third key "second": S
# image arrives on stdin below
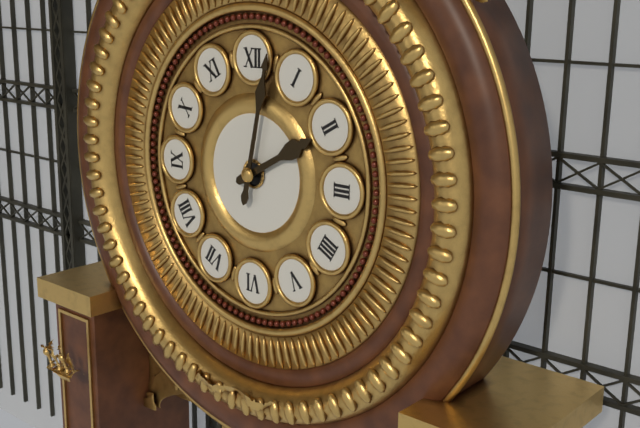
{"hour": 2, "minute": 2}
